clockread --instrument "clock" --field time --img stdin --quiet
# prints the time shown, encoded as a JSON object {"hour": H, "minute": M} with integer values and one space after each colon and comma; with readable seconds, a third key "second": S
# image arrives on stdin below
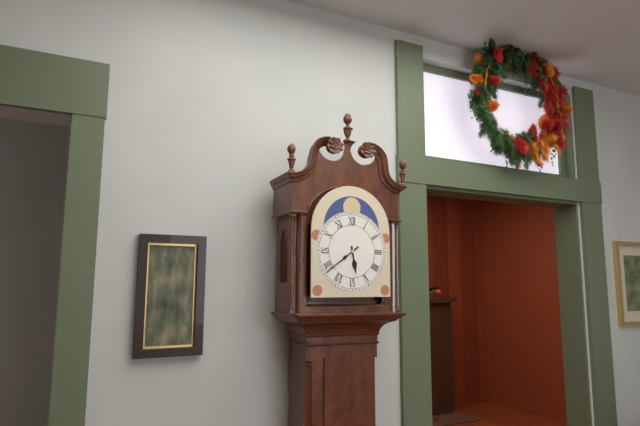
{"hour": 5, "minute": 39}
